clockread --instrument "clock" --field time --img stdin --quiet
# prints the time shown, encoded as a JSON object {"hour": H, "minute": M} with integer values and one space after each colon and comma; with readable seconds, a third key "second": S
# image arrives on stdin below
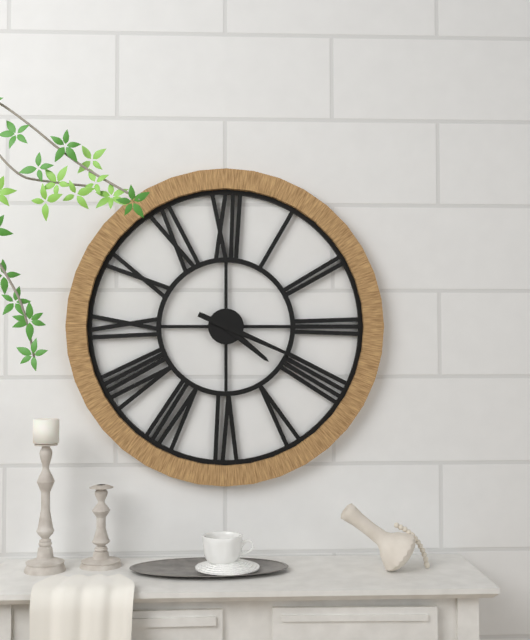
{"hour": 4, "minute": 19}
